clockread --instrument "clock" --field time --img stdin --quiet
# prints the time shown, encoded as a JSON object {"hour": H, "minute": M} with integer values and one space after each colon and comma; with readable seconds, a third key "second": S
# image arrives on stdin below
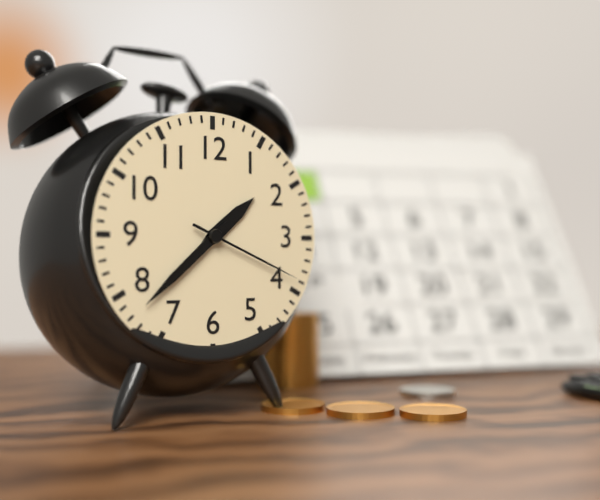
{"hour": 1, "minute": 38, "second": 19}
